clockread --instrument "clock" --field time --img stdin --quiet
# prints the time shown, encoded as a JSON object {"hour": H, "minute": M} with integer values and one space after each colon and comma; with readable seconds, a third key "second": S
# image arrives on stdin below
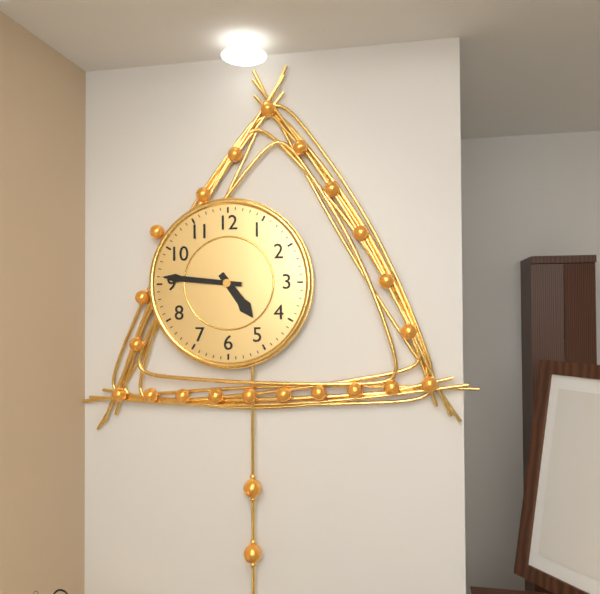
{"hour": 4, "minute": 46}
